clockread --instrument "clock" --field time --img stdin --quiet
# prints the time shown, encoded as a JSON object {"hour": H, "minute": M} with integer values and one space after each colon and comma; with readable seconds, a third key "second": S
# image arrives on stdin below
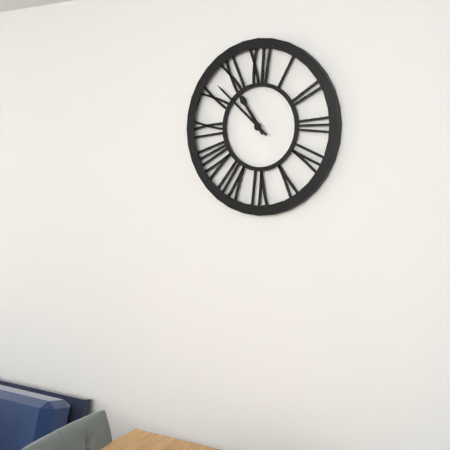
{"hour": 10, "minute": 52}
